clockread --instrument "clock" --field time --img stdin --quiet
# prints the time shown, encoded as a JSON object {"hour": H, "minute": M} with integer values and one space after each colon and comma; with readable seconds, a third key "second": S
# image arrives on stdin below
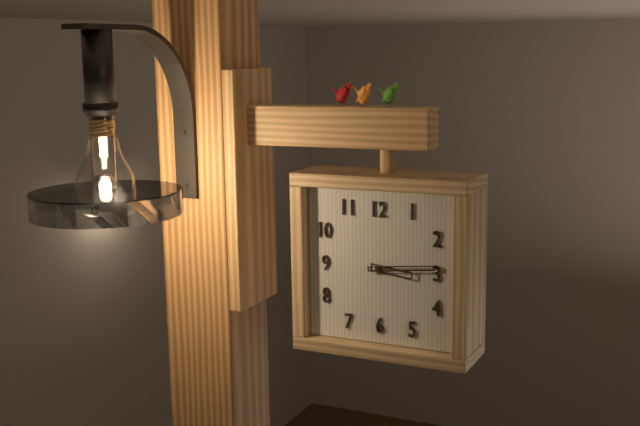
{"hour": 3, "minute": 14}
